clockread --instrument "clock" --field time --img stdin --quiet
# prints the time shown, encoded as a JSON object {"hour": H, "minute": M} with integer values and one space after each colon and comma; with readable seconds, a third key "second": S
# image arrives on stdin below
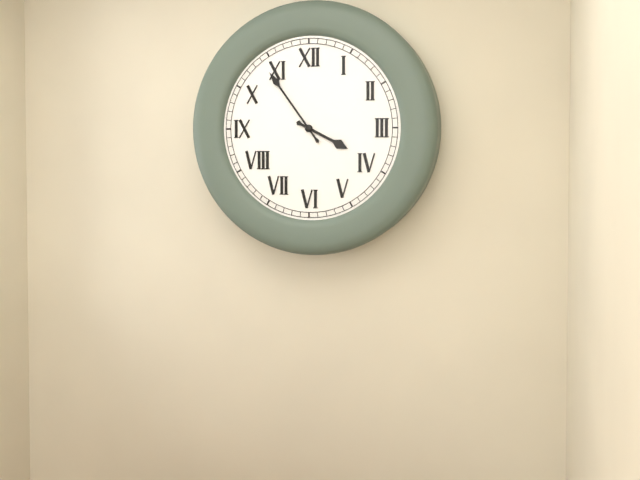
{"hour": 3, "minute": 54}
